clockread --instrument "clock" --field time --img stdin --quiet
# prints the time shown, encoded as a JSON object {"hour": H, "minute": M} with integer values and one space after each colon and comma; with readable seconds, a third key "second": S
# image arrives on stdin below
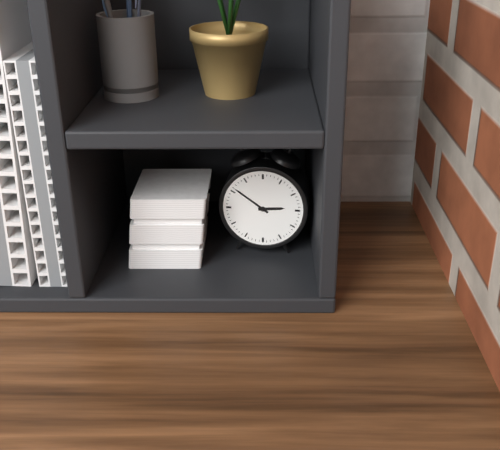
{"hour": 2, "minute": 51}
